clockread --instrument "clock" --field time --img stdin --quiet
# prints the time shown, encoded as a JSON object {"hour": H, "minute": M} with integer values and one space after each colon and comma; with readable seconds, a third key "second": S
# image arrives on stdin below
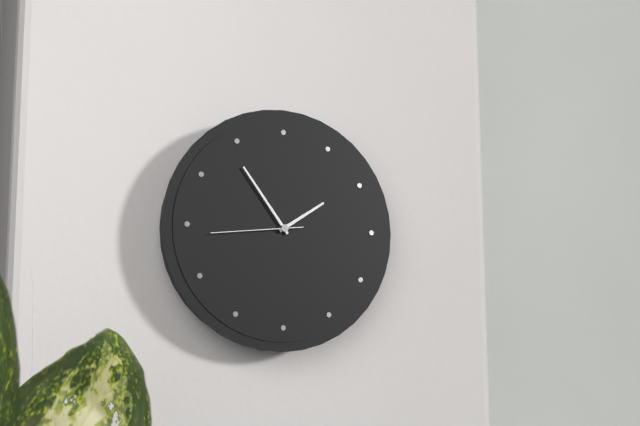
{"hour": 1, "minute": 54, "second": 44}
